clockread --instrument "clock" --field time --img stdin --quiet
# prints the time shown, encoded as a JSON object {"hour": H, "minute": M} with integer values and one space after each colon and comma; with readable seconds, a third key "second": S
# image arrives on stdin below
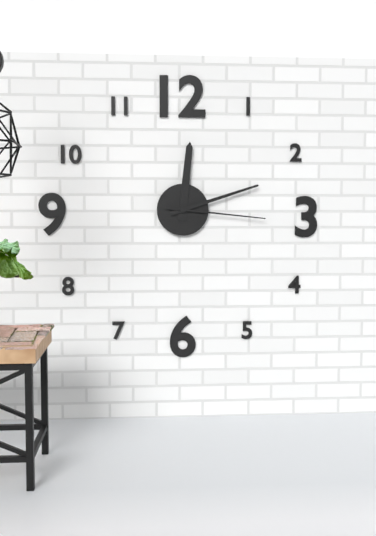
{"hour": 12, "minute": 12, "second": 16}
